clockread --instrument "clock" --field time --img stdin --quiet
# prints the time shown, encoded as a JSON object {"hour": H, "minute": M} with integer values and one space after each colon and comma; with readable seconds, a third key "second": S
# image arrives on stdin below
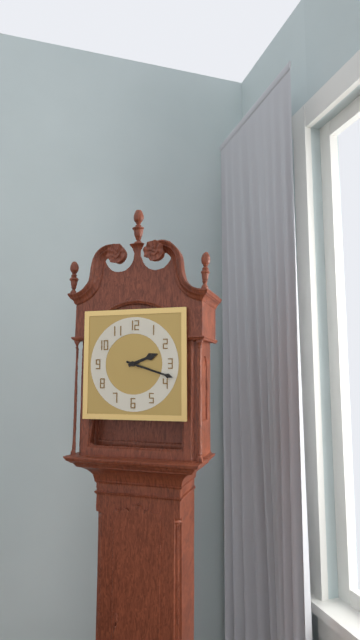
{"hour": 2, "minute": 18}
